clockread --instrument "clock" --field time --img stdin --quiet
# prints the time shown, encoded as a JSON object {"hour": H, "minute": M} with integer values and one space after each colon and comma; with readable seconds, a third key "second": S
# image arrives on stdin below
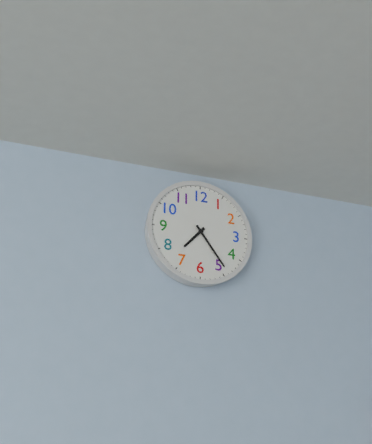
{"hour": 7, "minute": 24}
